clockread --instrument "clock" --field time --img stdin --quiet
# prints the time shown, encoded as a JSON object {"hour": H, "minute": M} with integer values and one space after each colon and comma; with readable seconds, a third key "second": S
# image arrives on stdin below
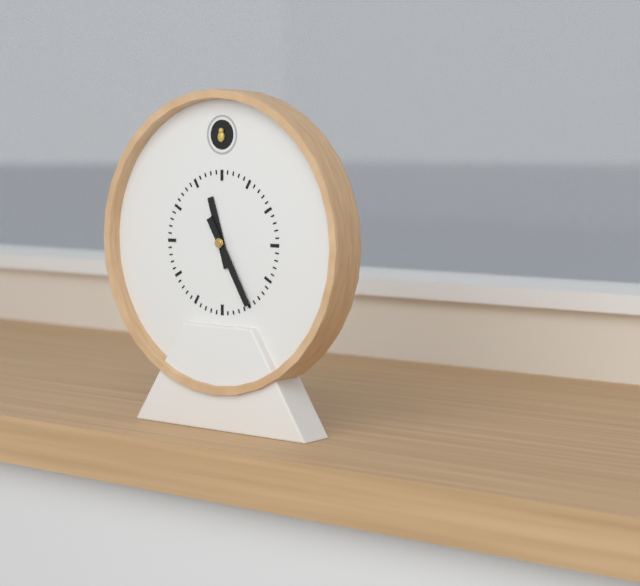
{"hour": 11, "minute": 25}
